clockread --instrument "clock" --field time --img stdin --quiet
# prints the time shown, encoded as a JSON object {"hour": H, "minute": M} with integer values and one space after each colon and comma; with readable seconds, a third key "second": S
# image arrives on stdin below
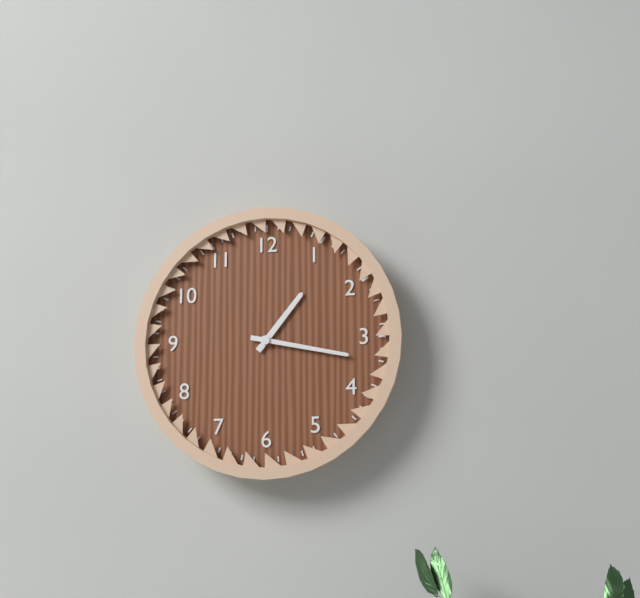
{"hour": 1, "minute": 17}
